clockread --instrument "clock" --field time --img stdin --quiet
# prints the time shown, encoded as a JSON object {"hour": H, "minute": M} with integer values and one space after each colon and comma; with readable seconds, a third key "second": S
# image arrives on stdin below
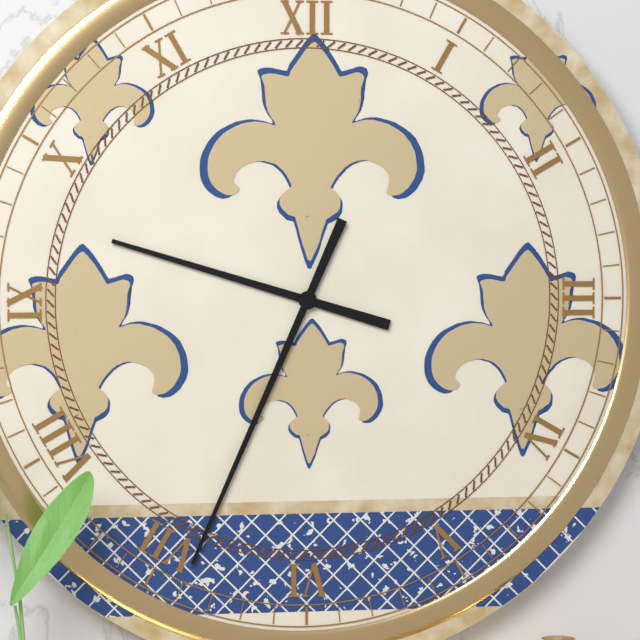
{"hour": 9, "minute": 34}
